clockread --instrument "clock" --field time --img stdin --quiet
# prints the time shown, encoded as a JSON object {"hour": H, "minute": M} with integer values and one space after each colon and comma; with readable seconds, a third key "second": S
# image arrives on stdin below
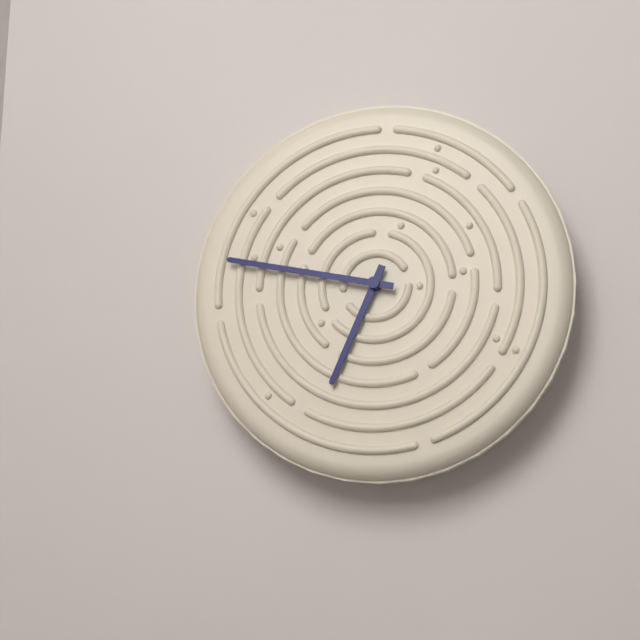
{"hour": 6, "minute": 47}
